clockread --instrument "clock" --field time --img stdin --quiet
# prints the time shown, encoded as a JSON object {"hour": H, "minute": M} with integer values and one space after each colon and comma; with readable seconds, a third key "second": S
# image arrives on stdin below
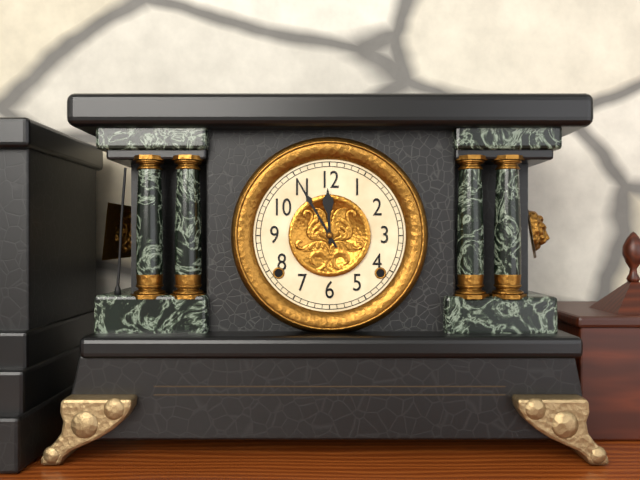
{"hour": 11, "minute": 55}
